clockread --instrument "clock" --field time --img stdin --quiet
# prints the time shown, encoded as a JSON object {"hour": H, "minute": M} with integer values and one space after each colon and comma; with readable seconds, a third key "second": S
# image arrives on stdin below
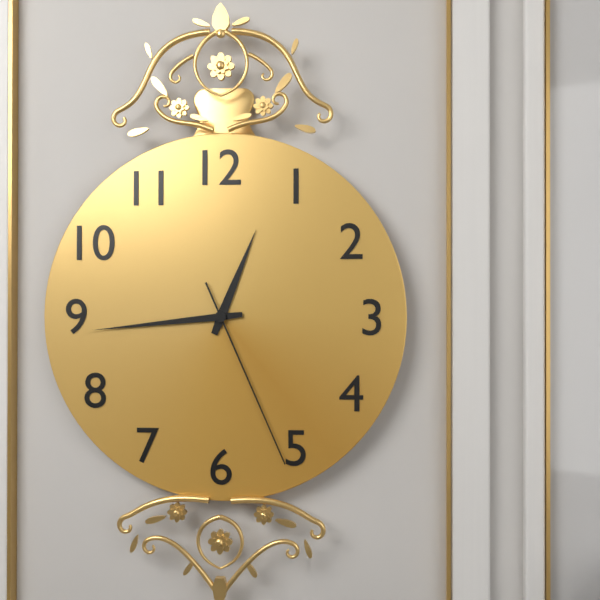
{"hour": 12, "minute": 44, "second": 26}
